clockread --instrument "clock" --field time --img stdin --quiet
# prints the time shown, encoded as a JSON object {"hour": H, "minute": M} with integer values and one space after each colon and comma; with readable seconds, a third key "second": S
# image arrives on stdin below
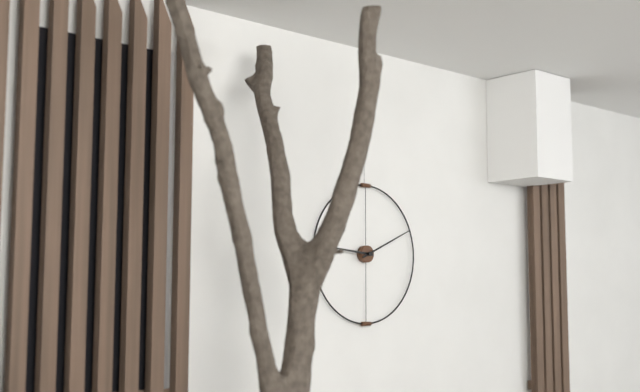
{"hour": 9, "minute": 11}
